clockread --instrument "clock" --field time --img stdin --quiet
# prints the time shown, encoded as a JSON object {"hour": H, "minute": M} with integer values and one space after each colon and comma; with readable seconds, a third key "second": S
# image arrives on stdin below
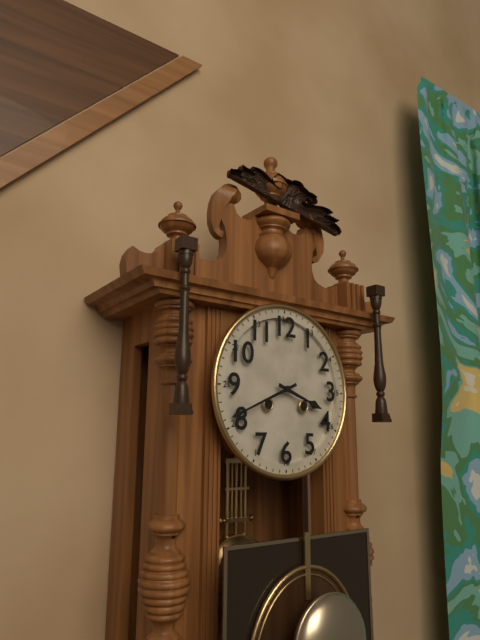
{"hour": 3, "minute": 41}
